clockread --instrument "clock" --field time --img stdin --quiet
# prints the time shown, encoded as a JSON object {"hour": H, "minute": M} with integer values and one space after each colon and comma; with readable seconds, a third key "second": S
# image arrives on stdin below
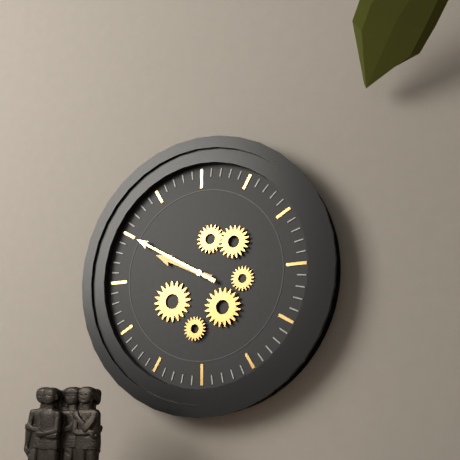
{"hour": 9, "minute": 50}
